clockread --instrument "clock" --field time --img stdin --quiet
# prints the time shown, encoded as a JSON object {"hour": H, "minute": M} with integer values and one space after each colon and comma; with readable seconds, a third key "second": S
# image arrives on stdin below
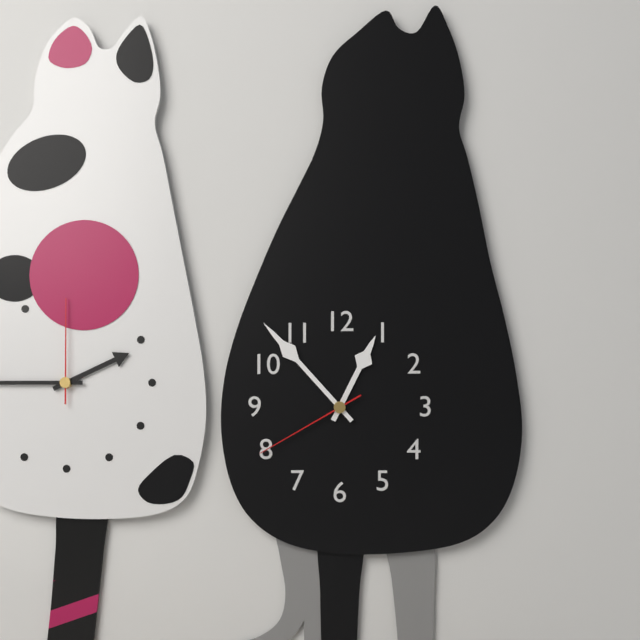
{"hour": 12, "minute": 53, "second": 40}
